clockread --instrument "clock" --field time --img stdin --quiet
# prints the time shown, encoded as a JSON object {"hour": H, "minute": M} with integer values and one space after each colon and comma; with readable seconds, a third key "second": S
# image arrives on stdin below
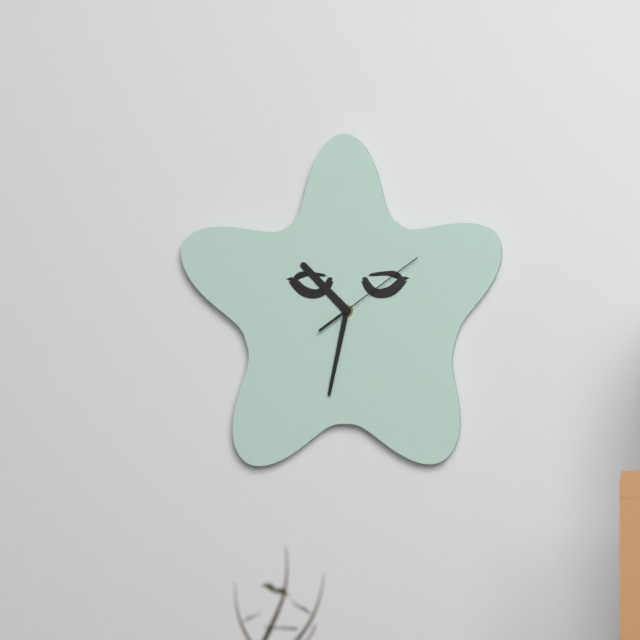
{"hour": 10, "minute": 32, "second": 9}
